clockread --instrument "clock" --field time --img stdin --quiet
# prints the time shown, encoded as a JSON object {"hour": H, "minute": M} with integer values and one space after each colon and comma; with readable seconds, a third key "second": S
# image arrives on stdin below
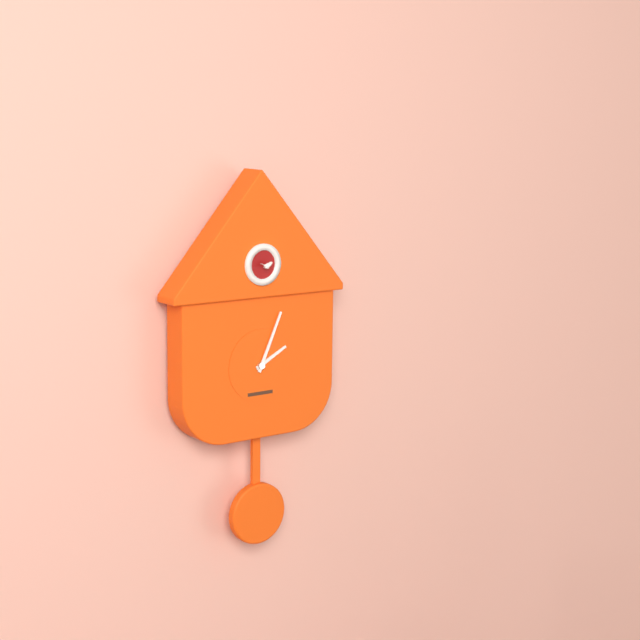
{"hour": 2, "minute": 4}
